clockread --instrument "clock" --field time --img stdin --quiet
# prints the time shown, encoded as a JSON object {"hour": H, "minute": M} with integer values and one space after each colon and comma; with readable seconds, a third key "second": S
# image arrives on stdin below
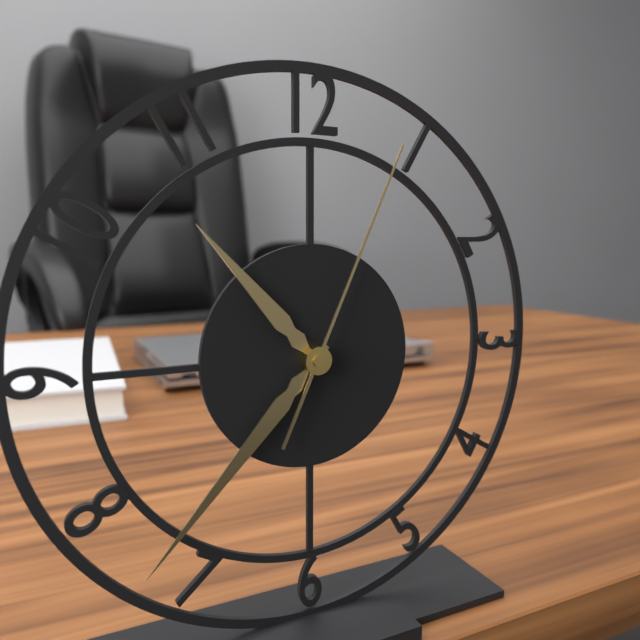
{"hour": 10, "minute": 37, "second": 4}
